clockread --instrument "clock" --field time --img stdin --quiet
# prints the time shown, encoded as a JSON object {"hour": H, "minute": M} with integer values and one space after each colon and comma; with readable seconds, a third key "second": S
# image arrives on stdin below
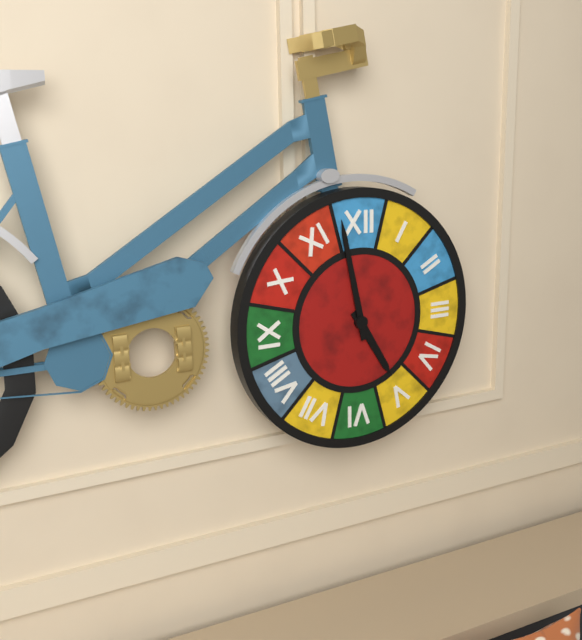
{"hour": 4, "minute": 58}
